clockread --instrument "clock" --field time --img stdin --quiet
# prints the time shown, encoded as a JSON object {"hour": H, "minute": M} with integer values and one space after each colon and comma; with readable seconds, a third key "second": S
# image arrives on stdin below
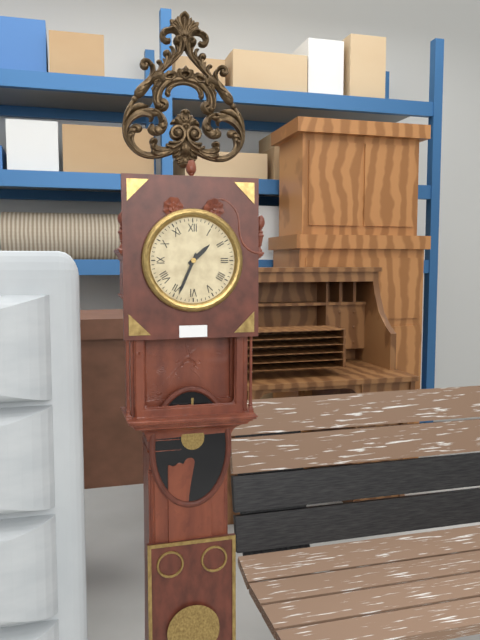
{"hour": 1, "minute": 34}
